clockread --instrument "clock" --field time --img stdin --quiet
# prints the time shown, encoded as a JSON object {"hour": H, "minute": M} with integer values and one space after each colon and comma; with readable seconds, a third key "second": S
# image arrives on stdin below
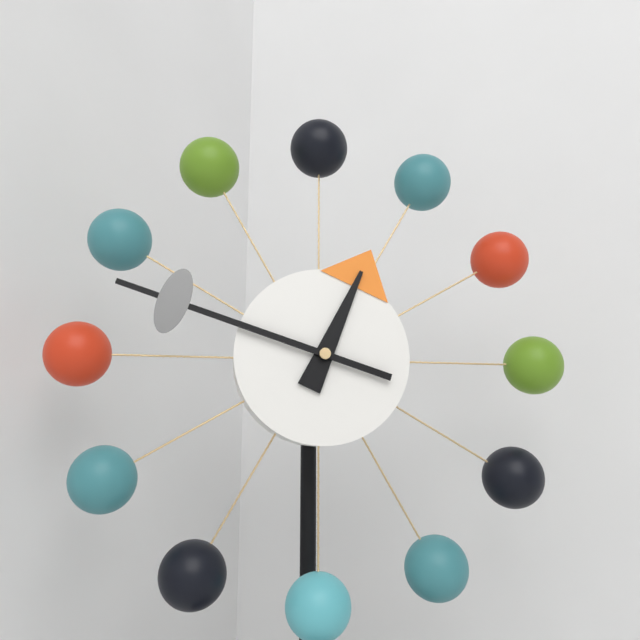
{"hour": 12, "minute": 48}
